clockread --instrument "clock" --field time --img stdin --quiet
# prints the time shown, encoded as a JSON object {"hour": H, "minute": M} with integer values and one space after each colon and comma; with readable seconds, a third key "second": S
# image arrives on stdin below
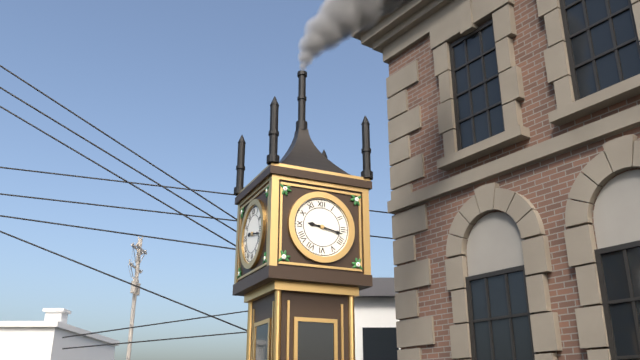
{"hour": 9, "minute": 17}
